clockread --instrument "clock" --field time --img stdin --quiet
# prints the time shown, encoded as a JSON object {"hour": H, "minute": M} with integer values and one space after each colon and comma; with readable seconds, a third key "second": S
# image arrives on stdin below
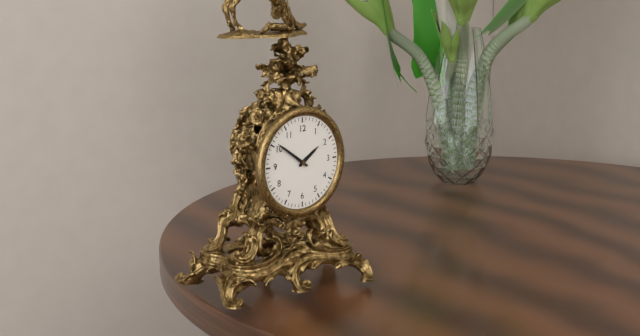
{"hour": 1, "minute": 51}
